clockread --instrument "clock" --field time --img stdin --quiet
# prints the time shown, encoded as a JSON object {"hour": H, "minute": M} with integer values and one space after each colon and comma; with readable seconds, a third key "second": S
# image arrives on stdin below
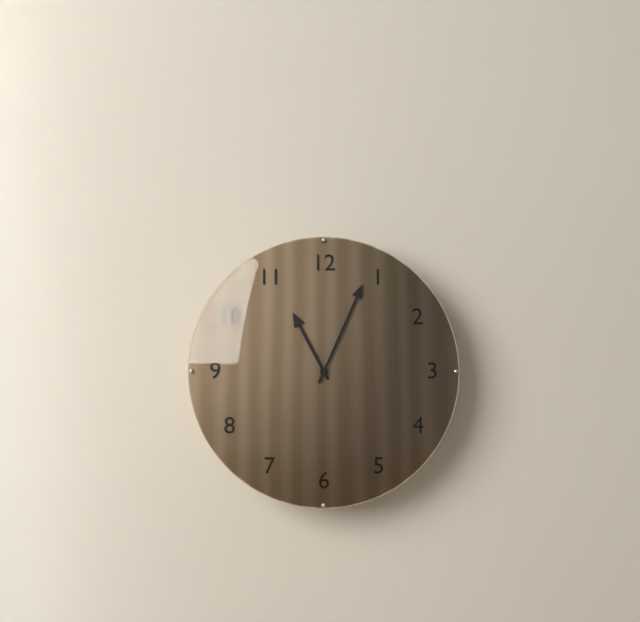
{"hour": 11, "minute": 4}
